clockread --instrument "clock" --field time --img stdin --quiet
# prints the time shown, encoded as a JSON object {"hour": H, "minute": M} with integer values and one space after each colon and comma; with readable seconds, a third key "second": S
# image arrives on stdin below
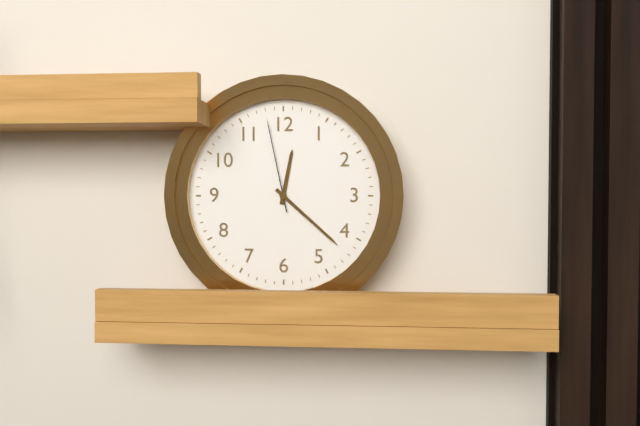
{"hour": 12, "minute": 22, "second": 58}
